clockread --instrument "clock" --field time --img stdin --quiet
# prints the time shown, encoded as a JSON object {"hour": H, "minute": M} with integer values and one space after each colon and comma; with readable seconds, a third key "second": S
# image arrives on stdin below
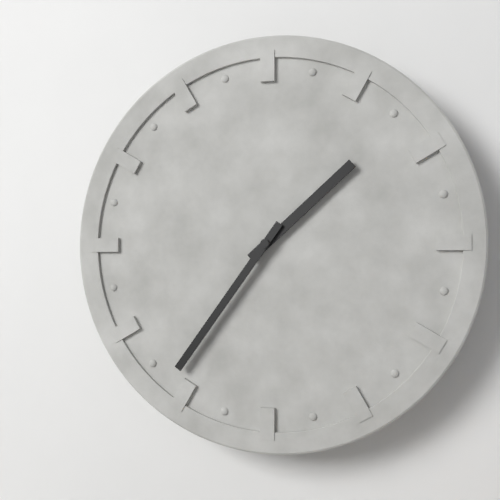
{"hour": 1, "minute": 36}
